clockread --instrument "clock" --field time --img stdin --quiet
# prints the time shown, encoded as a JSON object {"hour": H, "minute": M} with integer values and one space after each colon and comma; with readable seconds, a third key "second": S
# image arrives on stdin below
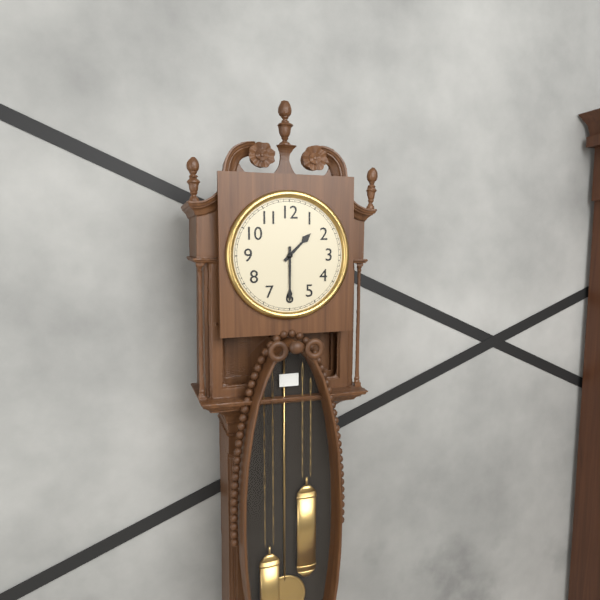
{"hour": 1, "minute": 30}
